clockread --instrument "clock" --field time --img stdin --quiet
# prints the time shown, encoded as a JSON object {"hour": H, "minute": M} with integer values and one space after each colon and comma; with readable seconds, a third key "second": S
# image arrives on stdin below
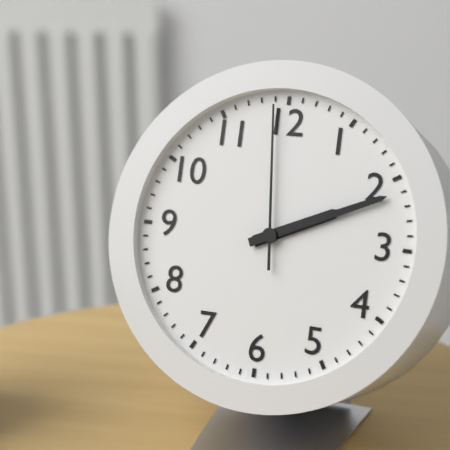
{"hour": 2, "minute": 11, "second": 59}
